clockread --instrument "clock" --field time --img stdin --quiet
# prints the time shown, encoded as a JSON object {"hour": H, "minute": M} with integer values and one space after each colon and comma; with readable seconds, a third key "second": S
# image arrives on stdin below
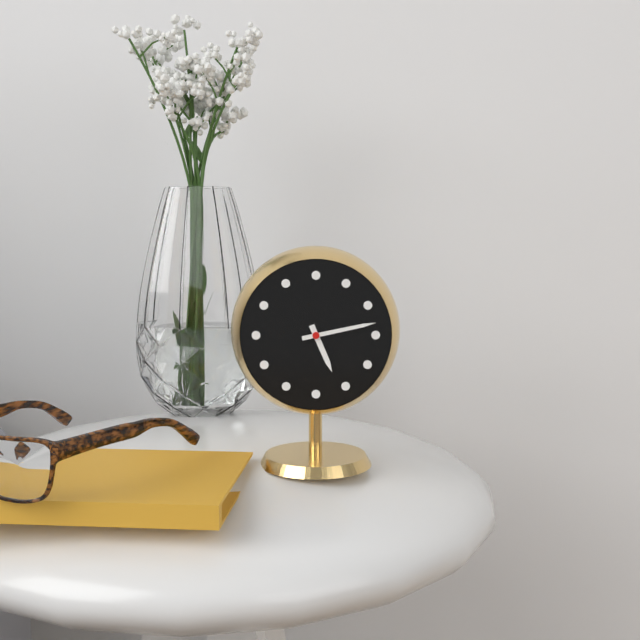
{"hour": 5, "minute": 13}
